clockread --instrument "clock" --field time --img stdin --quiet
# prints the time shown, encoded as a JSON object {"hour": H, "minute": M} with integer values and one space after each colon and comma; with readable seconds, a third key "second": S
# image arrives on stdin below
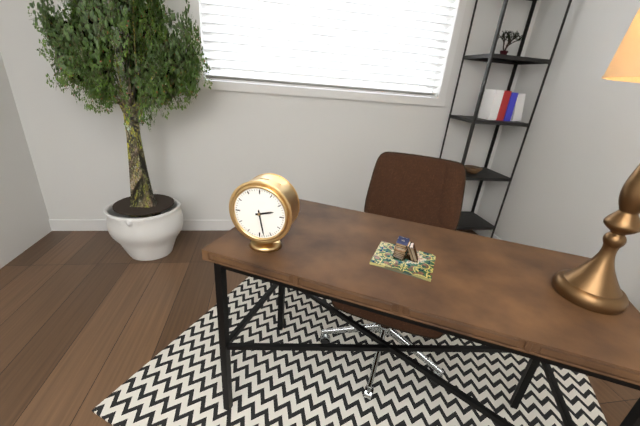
{"hour": 2, "minute": 28}
